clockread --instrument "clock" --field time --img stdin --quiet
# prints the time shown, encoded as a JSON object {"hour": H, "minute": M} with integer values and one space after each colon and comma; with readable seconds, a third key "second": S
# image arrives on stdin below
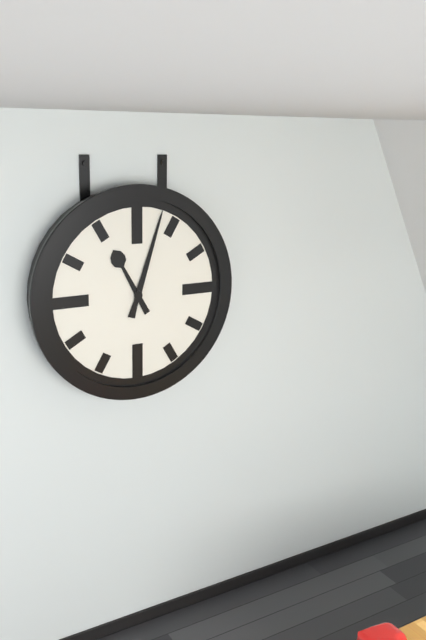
{"hour": 11, "minute": 3}
